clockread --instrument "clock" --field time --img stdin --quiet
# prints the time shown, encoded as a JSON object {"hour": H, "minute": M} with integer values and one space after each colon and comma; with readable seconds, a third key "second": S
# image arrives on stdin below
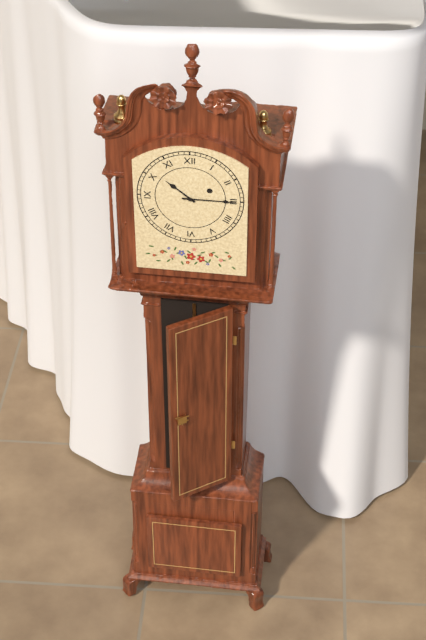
{"hour": 10, "minute": 15}
